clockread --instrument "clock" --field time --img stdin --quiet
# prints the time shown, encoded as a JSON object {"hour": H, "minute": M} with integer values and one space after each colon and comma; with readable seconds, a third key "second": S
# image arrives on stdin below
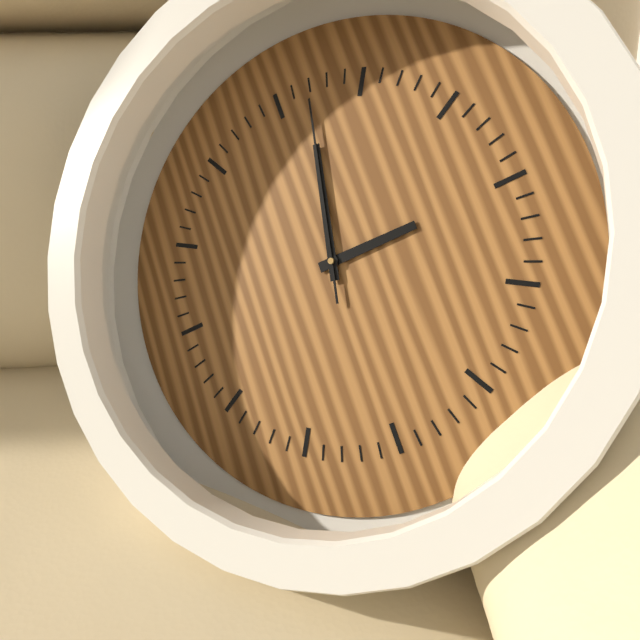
{"hour": 3, "minute": 2, "second": 2}
